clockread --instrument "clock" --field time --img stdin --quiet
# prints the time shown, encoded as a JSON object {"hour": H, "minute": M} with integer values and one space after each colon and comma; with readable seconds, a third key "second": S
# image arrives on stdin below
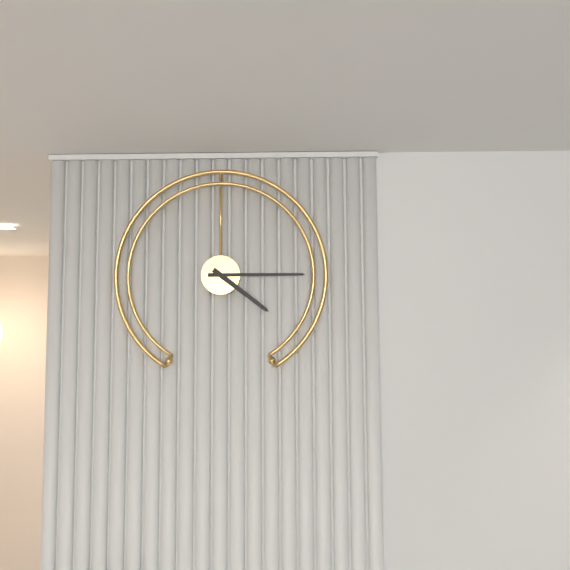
{"hour": 4, "minute": 15}
